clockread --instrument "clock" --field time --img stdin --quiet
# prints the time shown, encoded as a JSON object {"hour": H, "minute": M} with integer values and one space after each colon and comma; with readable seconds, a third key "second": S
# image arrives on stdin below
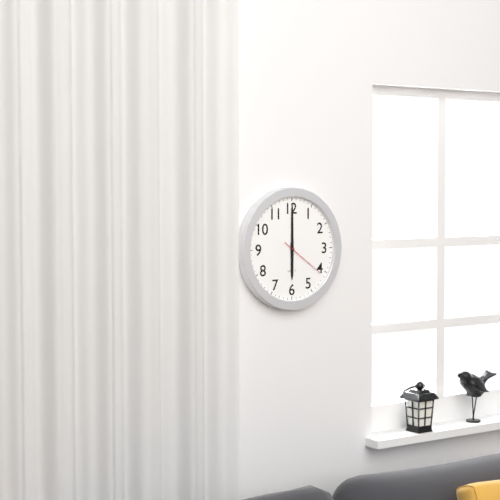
{"hour": 6, "minute": 0}
